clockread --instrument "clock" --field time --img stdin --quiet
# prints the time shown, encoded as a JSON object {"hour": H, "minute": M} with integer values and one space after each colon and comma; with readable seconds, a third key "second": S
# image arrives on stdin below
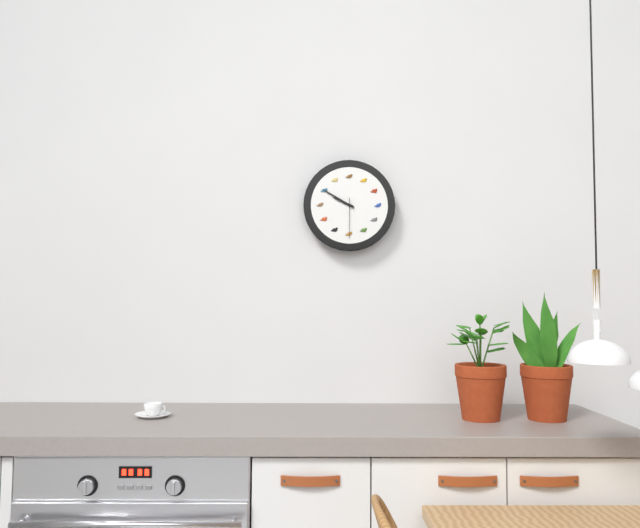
{"hour": 9, "minute": 50}
